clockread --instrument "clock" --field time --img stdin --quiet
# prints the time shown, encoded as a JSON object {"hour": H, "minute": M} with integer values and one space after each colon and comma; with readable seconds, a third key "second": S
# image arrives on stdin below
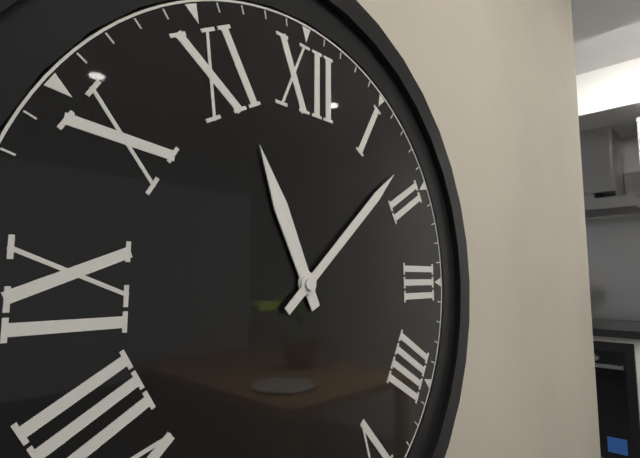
{"hour": 11, "minute": 8}
